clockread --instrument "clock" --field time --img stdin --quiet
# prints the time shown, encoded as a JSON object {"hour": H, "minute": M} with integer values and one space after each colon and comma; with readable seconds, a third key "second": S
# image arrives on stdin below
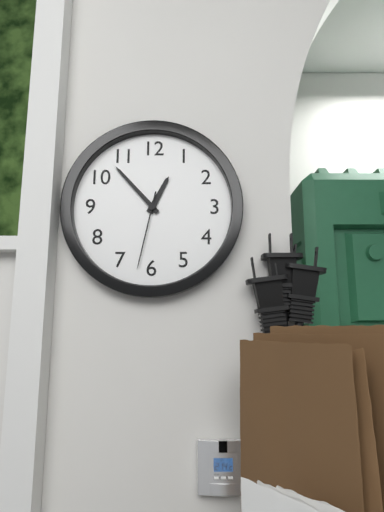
{"hour": 12, "minute": 53, "second": 32}
